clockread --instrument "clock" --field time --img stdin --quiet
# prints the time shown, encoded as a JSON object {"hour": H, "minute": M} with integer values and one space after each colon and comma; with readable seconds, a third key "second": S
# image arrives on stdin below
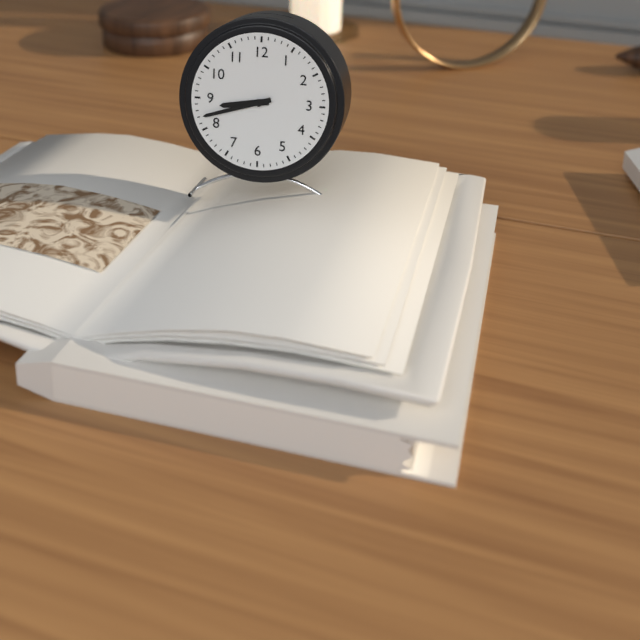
{"hour": 8, "minute": 42}
